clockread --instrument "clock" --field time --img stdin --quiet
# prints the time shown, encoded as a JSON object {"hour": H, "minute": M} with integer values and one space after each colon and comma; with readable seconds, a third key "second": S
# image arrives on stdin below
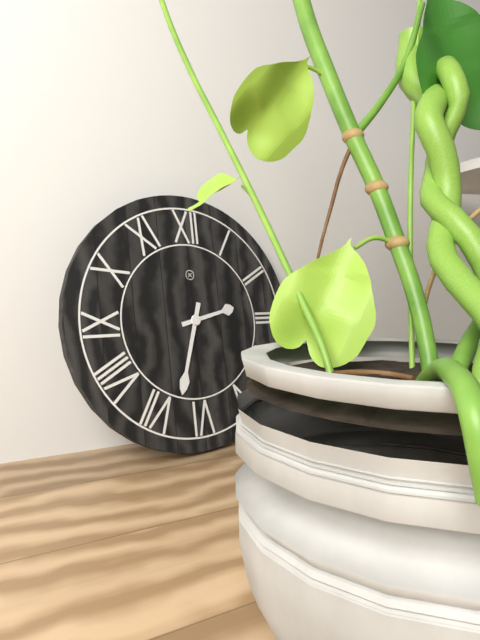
{"hour": 2, "minute": 33}
